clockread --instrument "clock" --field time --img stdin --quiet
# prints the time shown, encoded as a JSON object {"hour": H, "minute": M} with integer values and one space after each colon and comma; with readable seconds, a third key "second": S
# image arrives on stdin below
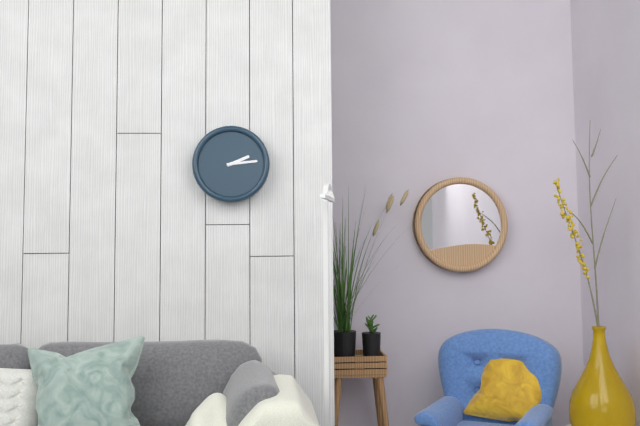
{"hour": 2, "minute": 14}
